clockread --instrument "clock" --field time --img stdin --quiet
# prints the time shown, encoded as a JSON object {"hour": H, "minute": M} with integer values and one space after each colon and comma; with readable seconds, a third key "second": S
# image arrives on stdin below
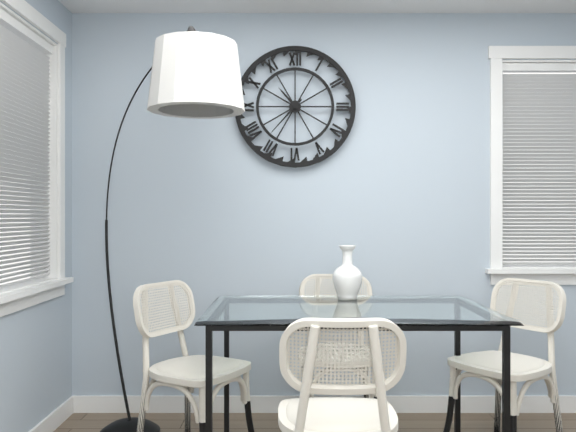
{"hour": 10, "minute": 37}
